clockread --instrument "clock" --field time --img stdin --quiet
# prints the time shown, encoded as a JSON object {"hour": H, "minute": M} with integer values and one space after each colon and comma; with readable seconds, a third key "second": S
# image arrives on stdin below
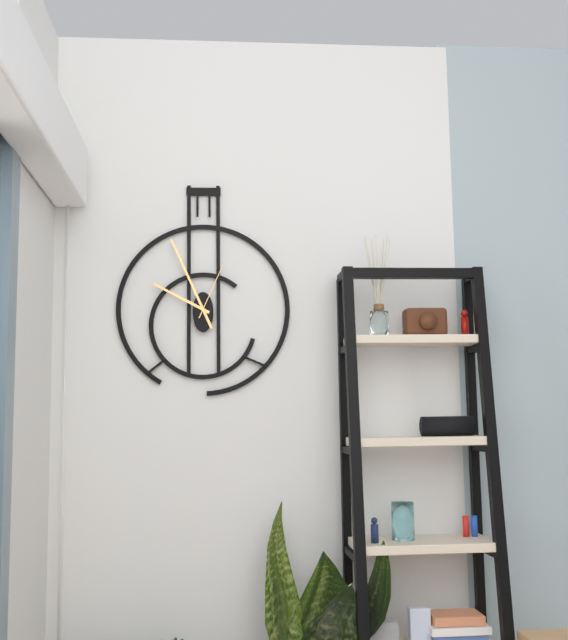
{"hour": 9, "minute": 56, "second": 4}
